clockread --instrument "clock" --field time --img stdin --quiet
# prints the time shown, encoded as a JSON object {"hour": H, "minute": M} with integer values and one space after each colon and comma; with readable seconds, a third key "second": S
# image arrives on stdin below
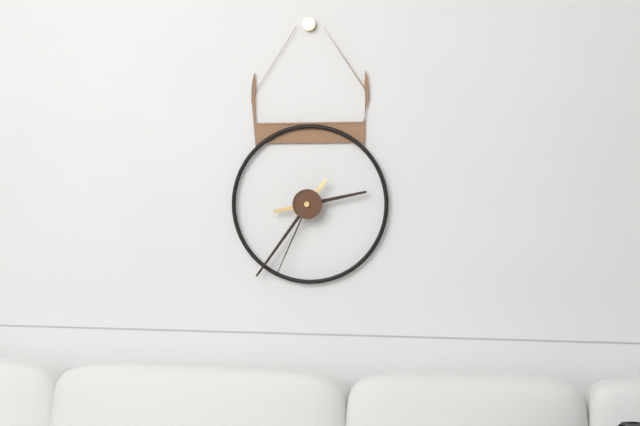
{"hour": 2, "minute": 36, "second": 34}
